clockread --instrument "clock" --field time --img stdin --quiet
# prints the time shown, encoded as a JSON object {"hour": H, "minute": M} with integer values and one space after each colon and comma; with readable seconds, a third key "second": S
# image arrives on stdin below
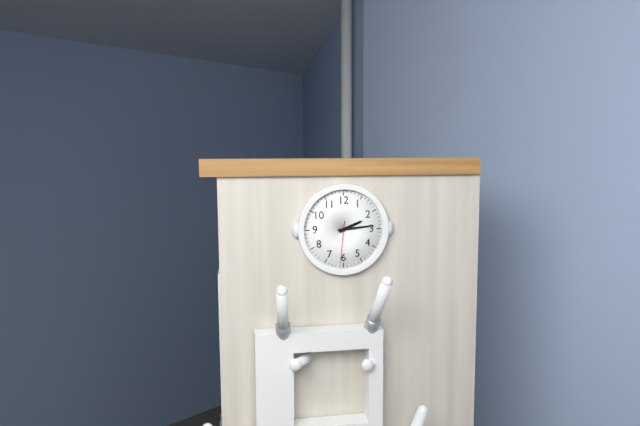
{"hour": 2, "minute": 14}
